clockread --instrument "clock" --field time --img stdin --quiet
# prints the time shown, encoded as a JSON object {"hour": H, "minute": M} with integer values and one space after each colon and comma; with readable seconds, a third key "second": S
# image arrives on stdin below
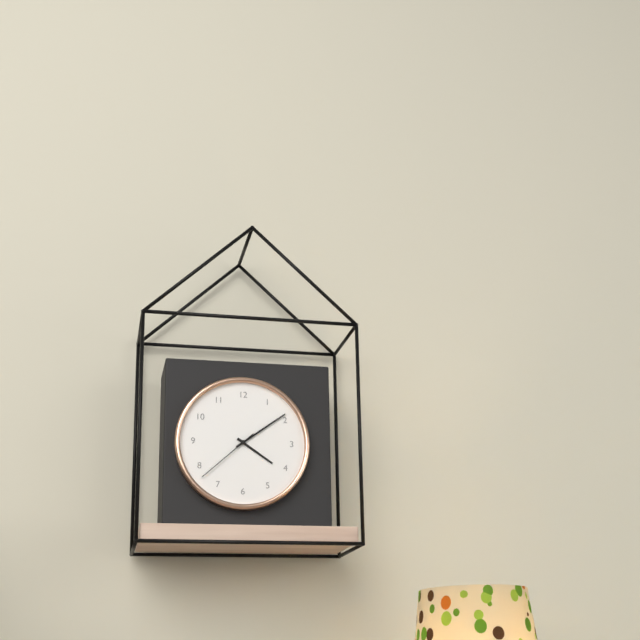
{"hour": 4, "minute": 9, "second": 38}
